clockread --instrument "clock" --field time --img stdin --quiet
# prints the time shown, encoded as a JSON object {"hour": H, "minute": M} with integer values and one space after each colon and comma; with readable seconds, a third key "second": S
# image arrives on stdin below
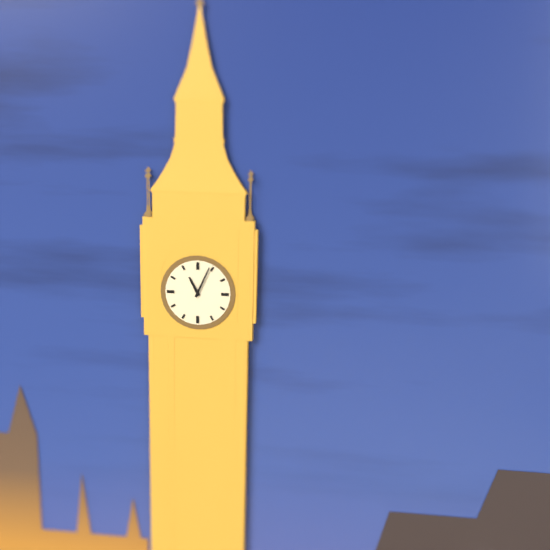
{"hour": 11, "minute": 4}
